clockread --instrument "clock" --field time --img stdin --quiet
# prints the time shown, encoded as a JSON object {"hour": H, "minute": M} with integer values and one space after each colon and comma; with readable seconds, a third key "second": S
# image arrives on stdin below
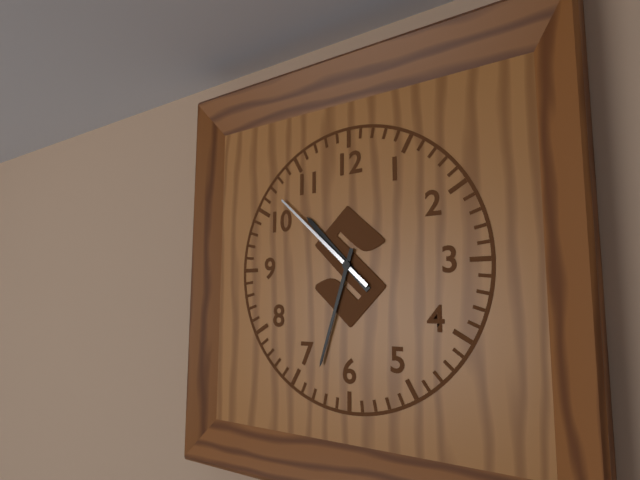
{"hour": 10, "minute": 33, "second": 52}
